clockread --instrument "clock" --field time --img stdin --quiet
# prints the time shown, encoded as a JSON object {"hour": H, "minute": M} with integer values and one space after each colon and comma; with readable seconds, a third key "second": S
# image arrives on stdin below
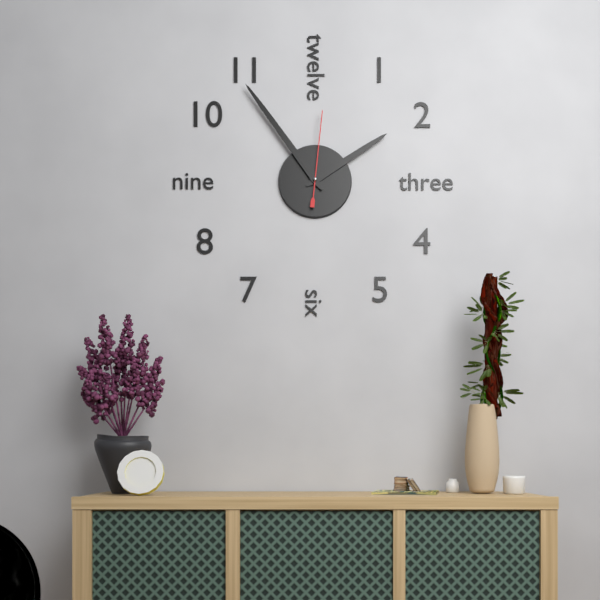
{"hour": 1, "minute": 54, "second": 1}
